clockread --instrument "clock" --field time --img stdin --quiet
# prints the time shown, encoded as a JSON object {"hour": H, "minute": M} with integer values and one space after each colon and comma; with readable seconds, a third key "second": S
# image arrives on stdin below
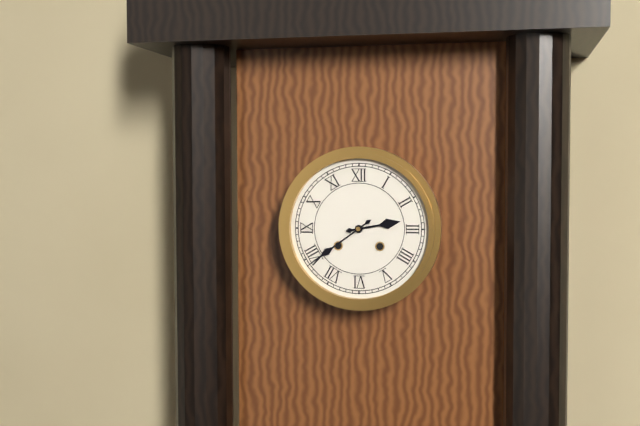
{"hour": 2, "minute": 39}
